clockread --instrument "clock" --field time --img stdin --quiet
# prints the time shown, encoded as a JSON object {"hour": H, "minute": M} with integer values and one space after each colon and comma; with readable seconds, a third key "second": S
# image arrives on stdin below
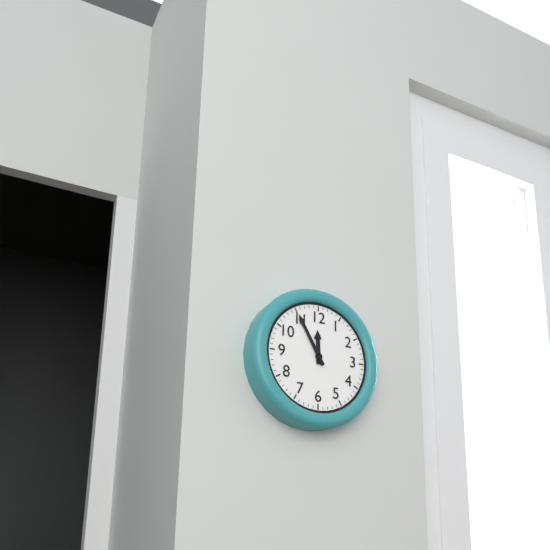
{"hour": 11, "minute": 55}
